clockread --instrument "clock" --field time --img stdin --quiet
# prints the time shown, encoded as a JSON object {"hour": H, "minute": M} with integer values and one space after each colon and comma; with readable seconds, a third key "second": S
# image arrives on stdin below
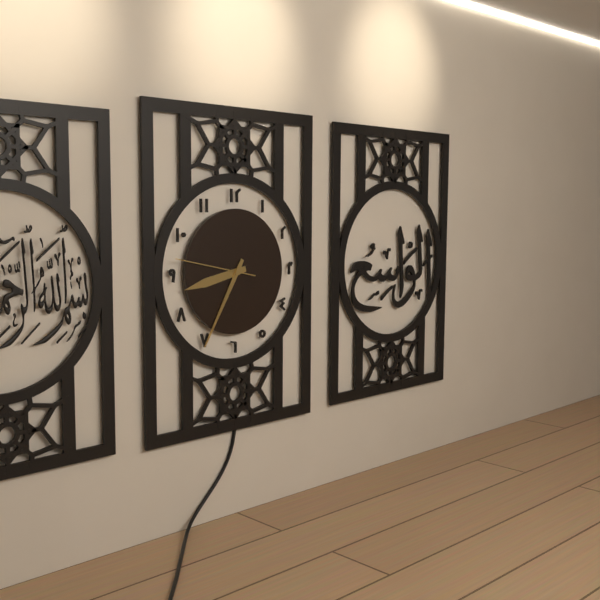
{"hour": 8, "minute": 35, "second": 47}
